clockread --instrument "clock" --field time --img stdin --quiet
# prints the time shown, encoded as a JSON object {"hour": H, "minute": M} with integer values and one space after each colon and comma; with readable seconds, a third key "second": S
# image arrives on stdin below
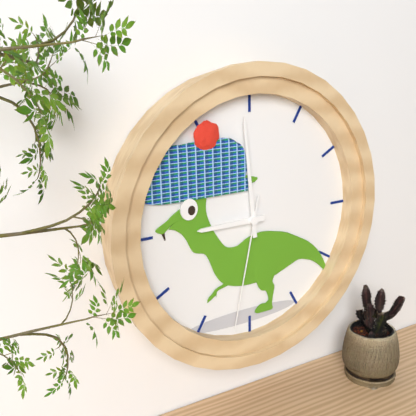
{"hour": 8, "minute": 59, "second": 32}
